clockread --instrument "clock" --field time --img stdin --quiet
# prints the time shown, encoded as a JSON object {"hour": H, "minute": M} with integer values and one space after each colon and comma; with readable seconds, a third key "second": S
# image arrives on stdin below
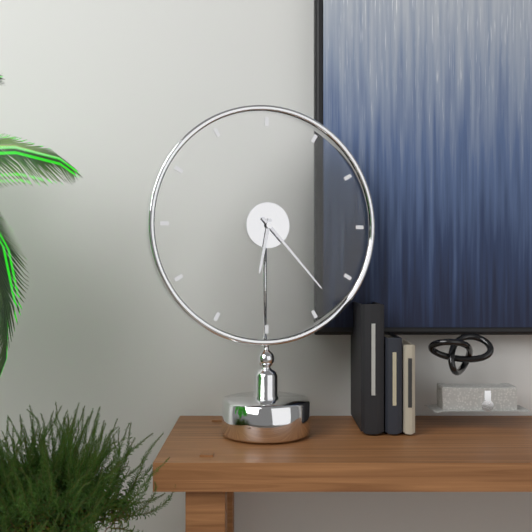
{"hour": 6, "minute": 23}
